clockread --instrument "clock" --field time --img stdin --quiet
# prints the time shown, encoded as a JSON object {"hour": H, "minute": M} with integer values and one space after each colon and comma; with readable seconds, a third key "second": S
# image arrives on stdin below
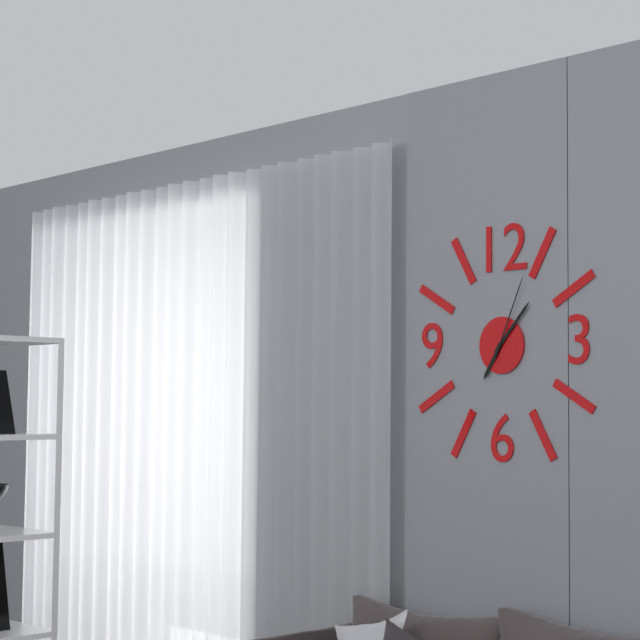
{"hour": 7, "minute": 7, "second": 4}
